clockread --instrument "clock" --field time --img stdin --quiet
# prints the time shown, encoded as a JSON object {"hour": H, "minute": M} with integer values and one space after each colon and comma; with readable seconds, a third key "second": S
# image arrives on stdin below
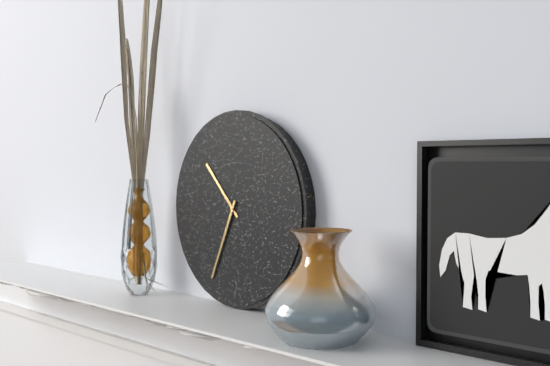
{"hour": 10, "minute": 34}
